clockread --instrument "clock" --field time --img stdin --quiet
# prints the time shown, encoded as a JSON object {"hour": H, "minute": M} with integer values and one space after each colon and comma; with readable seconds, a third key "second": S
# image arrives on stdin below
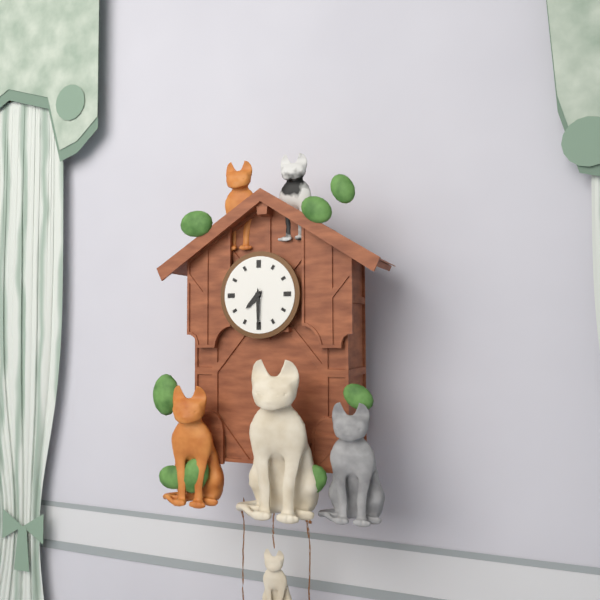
{"hour": 7, "minute": 30}
